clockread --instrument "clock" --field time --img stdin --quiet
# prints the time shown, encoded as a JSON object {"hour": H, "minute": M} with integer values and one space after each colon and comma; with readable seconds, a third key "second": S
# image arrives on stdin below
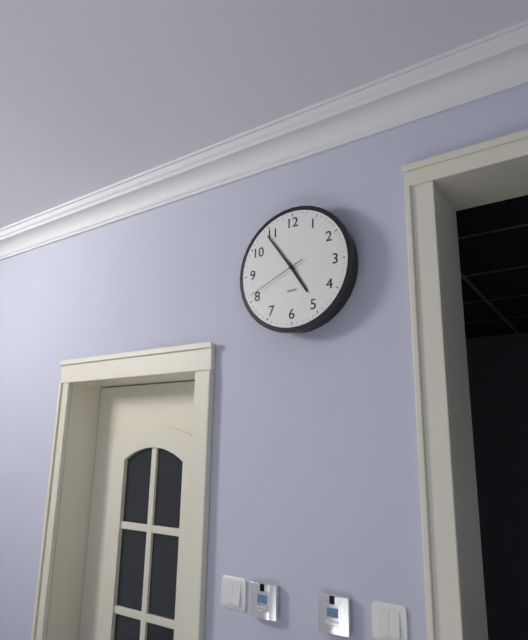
{"hour": 4, "minute": 54, "second": 41}
